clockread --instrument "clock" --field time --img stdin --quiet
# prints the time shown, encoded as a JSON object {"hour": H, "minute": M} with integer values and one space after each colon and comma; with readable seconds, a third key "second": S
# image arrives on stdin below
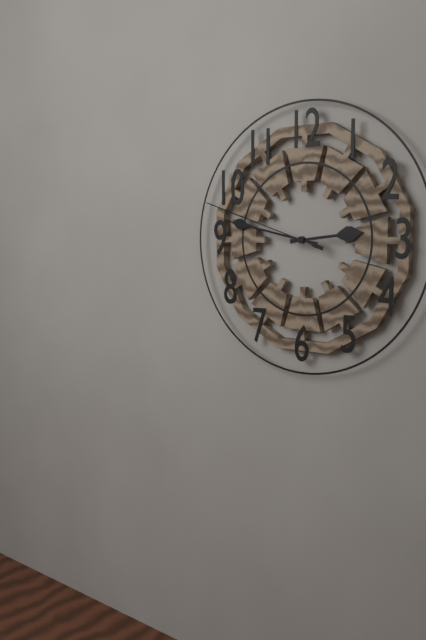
{"hour": 2, "minute": 47, "second": 48}
